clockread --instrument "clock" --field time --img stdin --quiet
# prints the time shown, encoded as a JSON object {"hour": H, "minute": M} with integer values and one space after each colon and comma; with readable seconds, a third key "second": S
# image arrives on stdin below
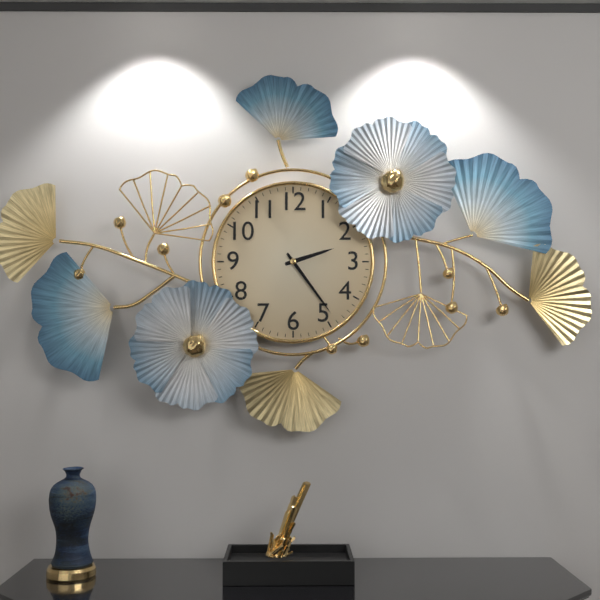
{"hour": 2, "minute": 24}
